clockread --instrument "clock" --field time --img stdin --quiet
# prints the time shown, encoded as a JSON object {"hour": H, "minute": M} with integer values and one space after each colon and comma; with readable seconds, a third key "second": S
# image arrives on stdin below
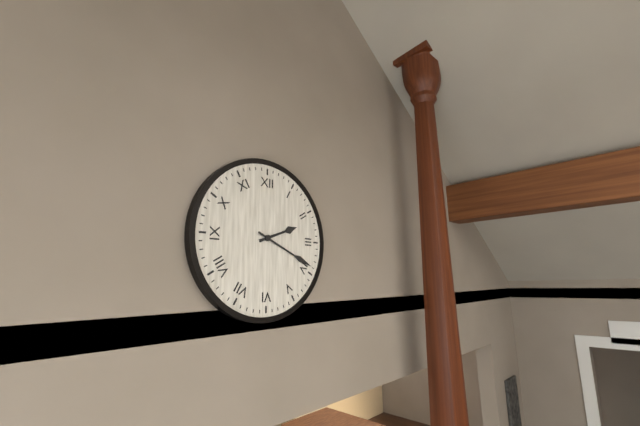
{"hour": 2, "minute": 19}
